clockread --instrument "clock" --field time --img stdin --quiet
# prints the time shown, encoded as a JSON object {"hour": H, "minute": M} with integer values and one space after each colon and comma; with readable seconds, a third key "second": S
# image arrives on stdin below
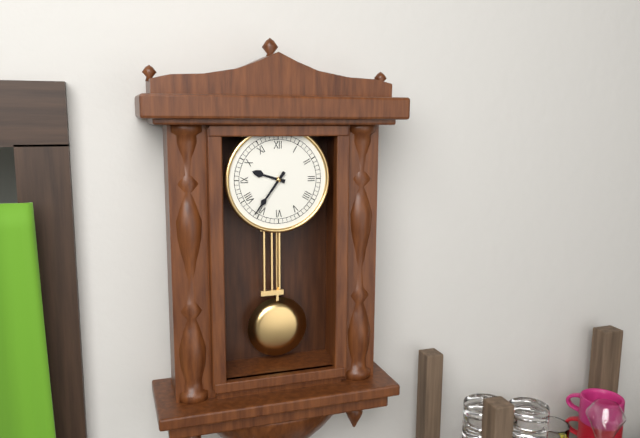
{"hour": 9, "minute": 36}
